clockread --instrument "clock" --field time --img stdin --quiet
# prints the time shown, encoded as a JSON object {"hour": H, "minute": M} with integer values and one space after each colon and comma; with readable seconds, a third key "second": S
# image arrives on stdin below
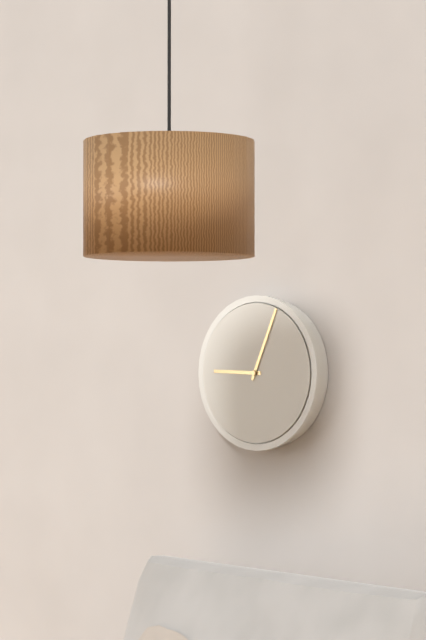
{"hour": 9, "minute": 4}
